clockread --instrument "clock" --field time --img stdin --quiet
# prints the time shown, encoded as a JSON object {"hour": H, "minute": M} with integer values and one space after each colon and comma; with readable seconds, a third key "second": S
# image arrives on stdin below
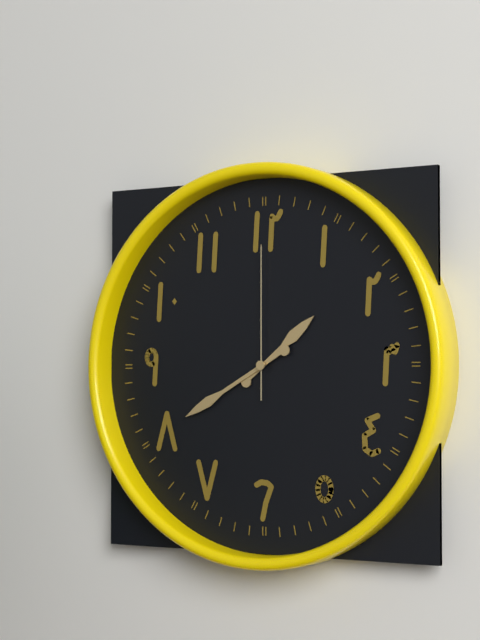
{"hour": 1, "minute": 40, "second": 0}
